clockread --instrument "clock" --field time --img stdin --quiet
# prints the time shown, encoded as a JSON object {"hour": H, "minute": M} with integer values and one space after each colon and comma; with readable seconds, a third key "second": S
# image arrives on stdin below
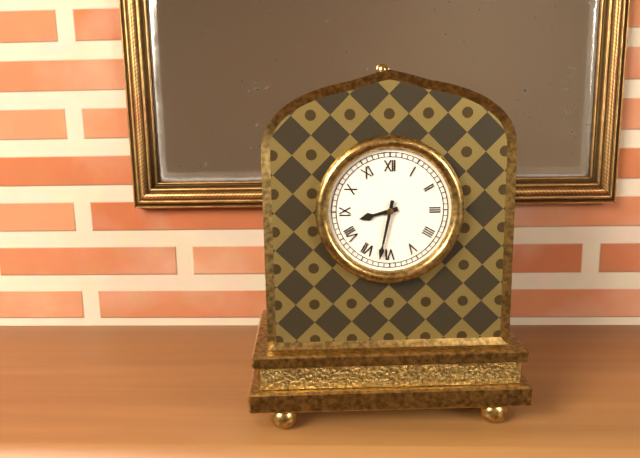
{"hour": 8, "minute": 32}
